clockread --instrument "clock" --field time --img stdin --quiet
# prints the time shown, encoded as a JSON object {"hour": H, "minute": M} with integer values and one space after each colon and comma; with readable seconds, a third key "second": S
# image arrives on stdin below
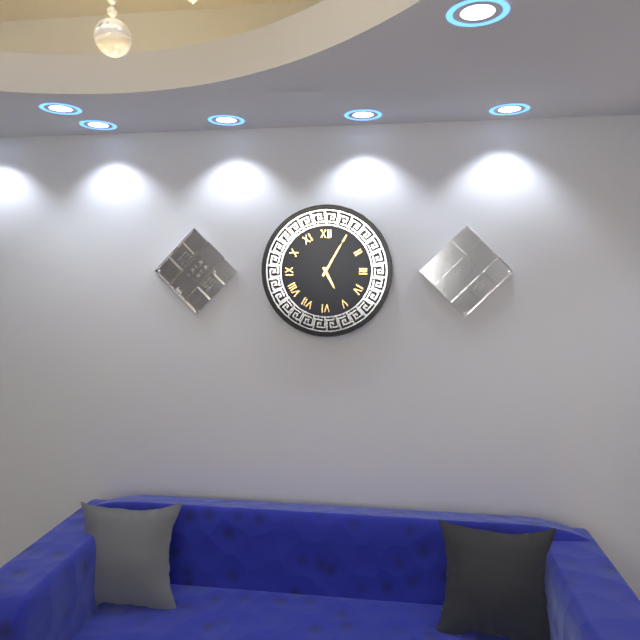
{"hour": 5, "minute": 5}
